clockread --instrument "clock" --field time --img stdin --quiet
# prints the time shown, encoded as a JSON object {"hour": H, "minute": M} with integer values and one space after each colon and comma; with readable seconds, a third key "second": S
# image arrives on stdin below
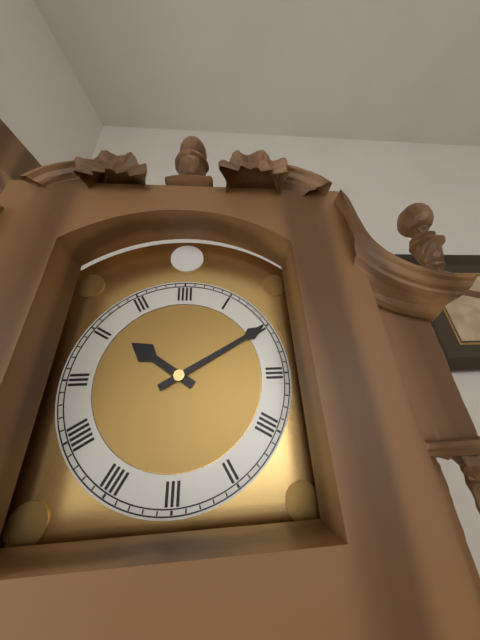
{"hour": 10, "minute": 10}
